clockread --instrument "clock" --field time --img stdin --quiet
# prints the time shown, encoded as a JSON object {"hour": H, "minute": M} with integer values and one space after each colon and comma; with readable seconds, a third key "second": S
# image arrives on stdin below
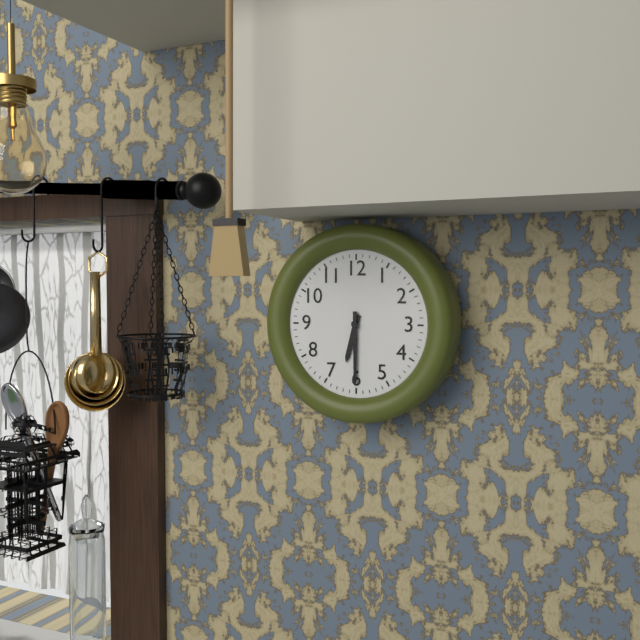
{"hour": 6, "minute": 30}
